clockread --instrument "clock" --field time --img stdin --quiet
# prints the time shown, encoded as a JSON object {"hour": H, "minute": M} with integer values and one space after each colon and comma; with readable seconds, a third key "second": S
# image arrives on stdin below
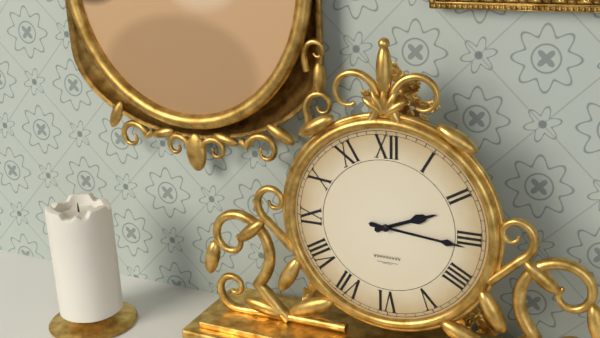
{"hour": 2, "minute": 16}
